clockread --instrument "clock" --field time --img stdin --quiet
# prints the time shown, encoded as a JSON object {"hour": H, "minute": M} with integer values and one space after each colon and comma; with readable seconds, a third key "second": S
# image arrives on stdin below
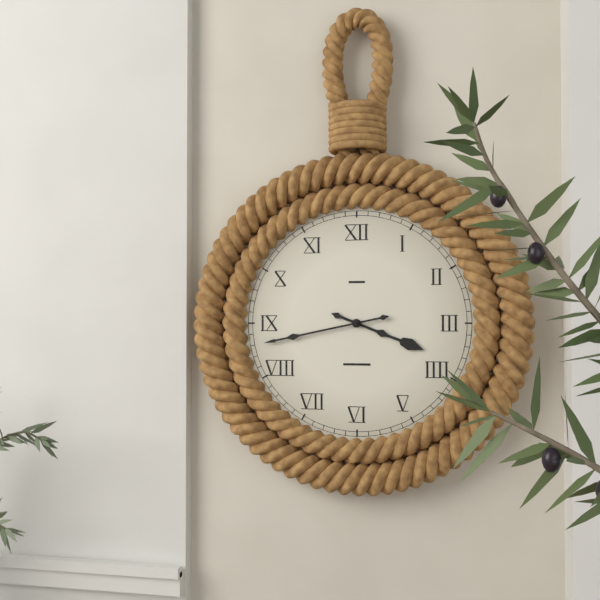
{"hour": 3, "minute": 43}
